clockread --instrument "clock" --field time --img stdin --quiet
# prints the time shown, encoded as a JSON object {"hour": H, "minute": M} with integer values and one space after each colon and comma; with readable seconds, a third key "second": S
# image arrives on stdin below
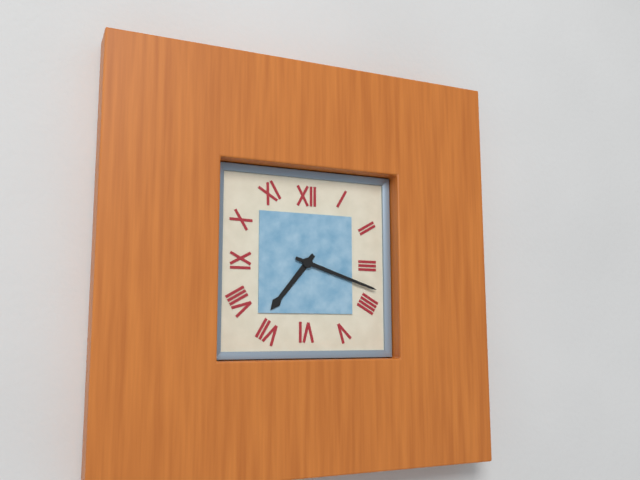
{"hour": 7, "minute": 18}
